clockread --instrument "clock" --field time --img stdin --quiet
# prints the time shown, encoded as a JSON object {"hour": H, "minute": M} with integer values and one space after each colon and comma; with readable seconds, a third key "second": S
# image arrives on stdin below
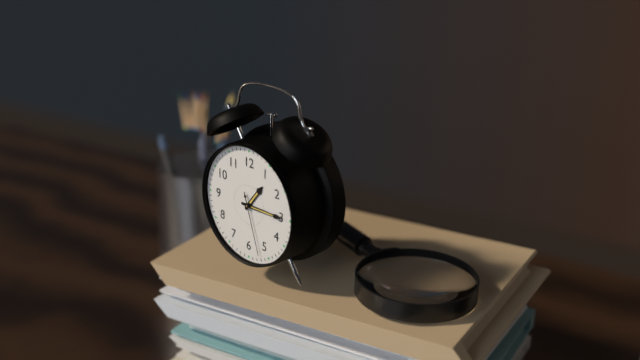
{"hour": 1, "minute": 15, "second": 27}
